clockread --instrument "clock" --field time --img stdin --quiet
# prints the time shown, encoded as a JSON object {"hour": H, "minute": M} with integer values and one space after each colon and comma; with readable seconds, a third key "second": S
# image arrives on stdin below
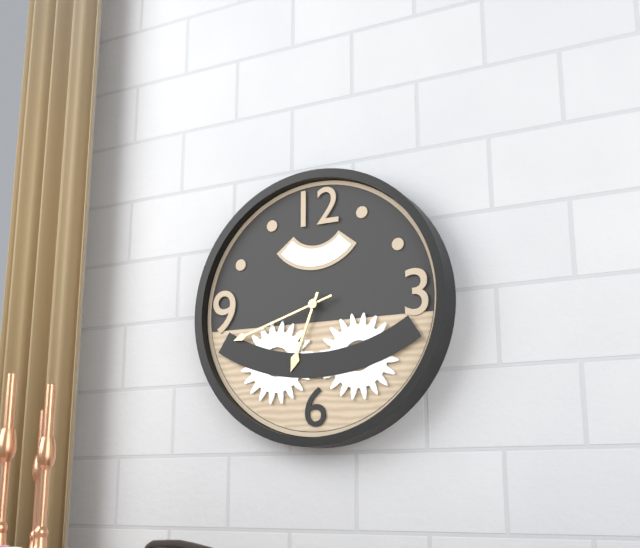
{"hour": 6, "minute": 42}
